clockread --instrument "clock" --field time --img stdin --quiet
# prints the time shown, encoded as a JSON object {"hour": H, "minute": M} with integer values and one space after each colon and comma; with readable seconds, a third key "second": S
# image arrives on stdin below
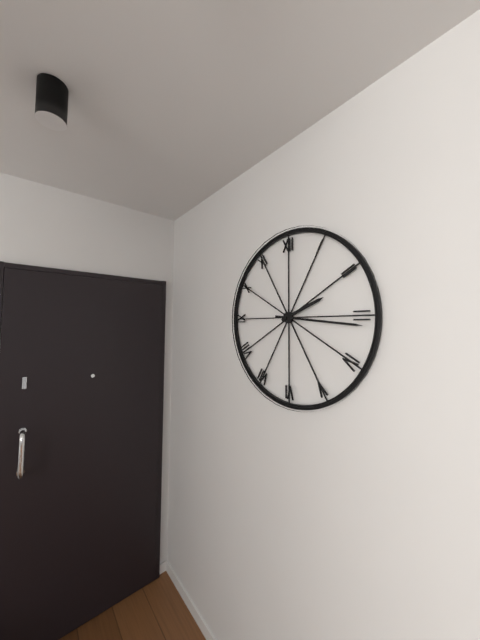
{"hour": 2, "minute": 16}
